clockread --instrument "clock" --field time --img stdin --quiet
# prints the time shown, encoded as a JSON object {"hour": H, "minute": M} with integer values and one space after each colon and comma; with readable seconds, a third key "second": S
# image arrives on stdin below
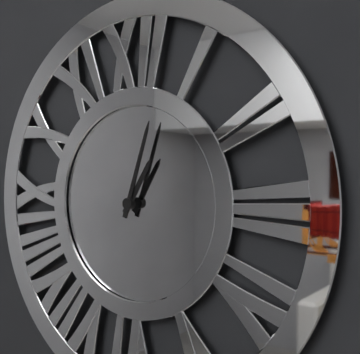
{"hour": 1, "minute": 3}
